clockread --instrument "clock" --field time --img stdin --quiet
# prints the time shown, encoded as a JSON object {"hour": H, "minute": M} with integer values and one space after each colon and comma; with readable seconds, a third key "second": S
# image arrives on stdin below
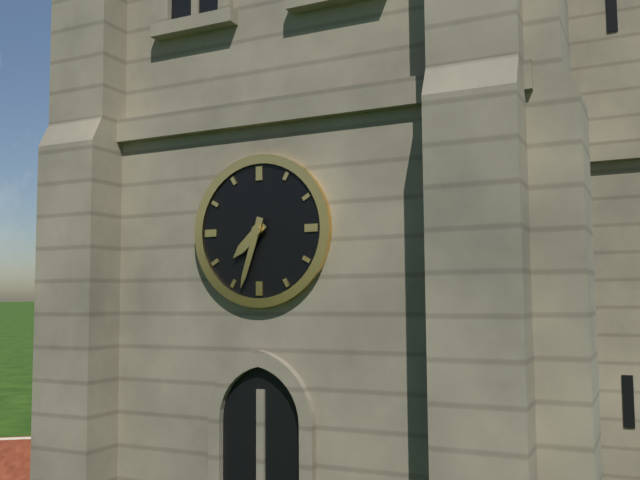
{"hour": 7, "minute": 33}
